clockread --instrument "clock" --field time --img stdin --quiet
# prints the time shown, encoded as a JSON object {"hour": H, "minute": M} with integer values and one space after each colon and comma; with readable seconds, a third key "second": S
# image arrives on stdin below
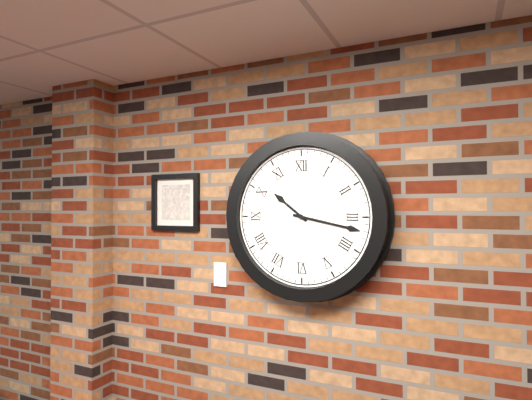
{"hour": 10, "minute": 17}
